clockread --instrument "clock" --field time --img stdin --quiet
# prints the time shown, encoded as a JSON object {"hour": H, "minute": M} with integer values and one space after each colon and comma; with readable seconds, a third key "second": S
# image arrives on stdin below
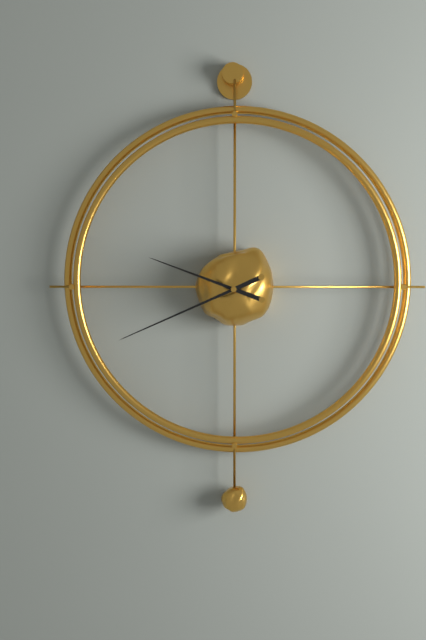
{"hour": 9, "minute": 41}
